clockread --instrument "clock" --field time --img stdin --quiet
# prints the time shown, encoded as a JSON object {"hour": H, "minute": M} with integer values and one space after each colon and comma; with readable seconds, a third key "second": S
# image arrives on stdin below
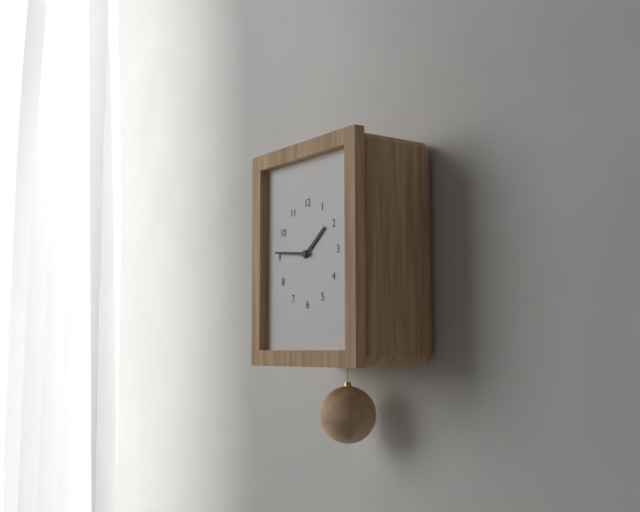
{"hour": 1, "minute": 46}
